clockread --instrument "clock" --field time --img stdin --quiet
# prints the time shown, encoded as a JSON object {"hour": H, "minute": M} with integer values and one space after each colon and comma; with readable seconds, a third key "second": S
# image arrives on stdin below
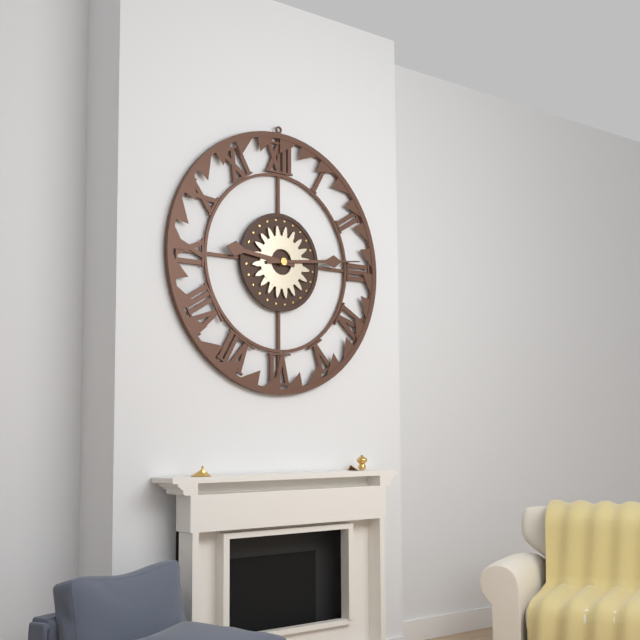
{"hour": 9, "minute": 14}
